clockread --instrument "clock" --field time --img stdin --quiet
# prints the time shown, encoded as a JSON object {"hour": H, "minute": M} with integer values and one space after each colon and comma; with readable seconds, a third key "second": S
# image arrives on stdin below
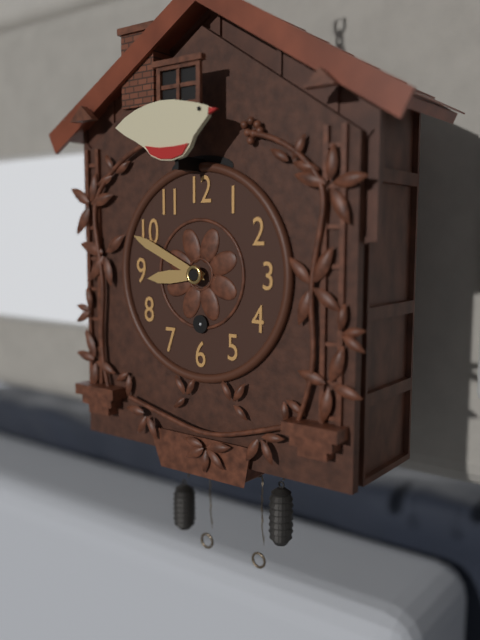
{"hour": 8, "minute": 49}
